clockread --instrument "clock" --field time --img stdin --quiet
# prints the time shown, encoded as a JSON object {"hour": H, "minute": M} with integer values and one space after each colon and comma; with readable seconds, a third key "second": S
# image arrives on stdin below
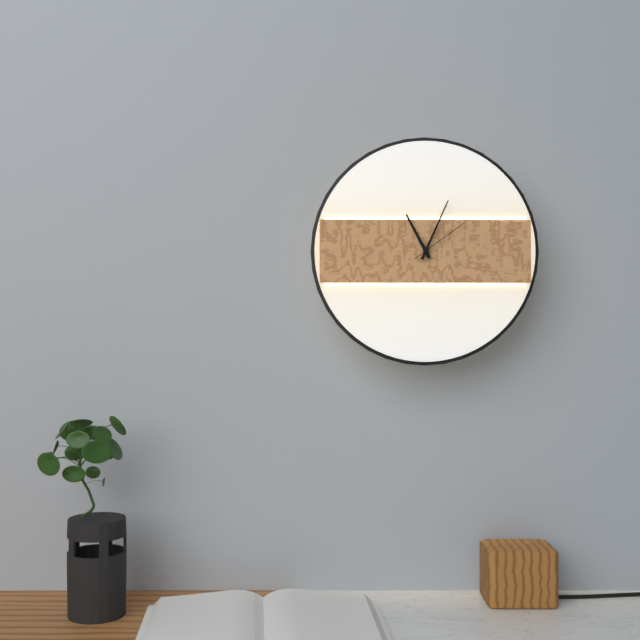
{"hour": 11, "minute": 4, "second": 9}
